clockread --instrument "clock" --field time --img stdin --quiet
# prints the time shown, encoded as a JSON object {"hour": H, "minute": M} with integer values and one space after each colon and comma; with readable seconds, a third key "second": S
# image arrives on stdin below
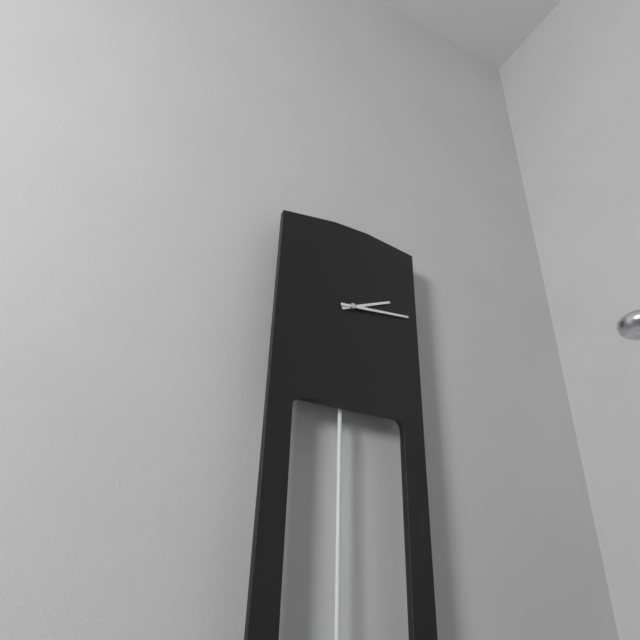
{"hour": 2, "minute": 14}
